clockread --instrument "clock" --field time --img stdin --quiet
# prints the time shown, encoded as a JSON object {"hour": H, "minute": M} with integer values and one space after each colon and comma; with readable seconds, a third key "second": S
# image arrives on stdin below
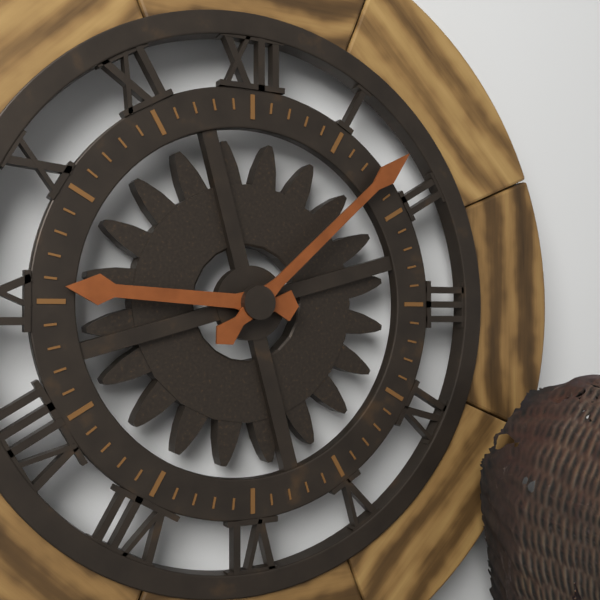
{"hour": 9, "minute": 8}
